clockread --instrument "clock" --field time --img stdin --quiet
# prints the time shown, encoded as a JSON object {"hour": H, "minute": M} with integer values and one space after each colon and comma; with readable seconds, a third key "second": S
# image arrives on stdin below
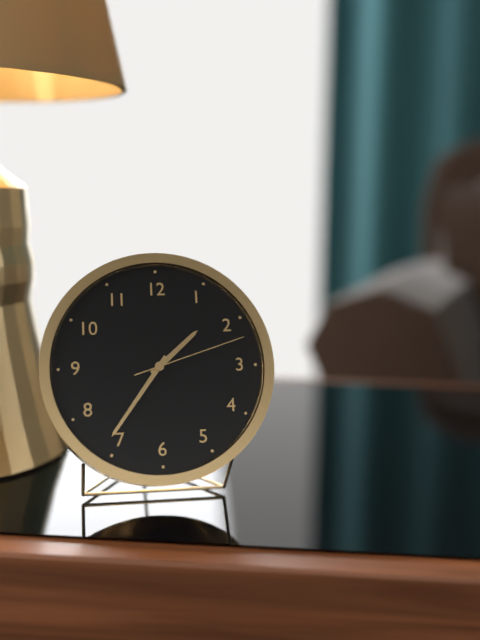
{"hour": 1, "minute": 36, "second": 12}
